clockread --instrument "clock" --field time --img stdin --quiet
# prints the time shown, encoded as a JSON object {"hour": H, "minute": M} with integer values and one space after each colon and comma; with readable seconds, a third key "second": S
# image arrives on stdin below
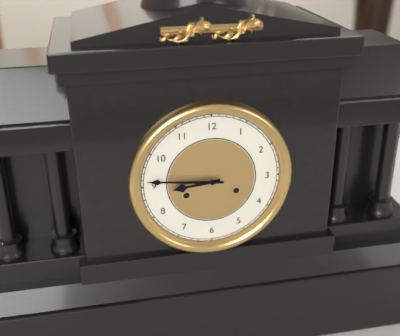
{"hour": 8, "minute": 46}
